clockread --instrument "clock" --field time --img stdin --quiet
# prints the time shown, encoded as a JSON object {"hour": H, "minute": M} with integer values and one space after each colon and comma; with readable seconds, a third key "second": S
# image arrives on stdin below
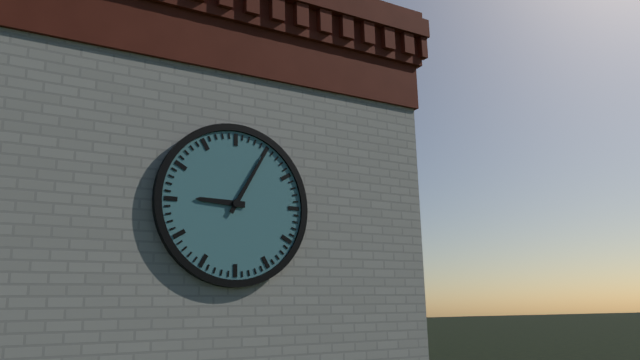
{"hour": 9, "minute": 5}
